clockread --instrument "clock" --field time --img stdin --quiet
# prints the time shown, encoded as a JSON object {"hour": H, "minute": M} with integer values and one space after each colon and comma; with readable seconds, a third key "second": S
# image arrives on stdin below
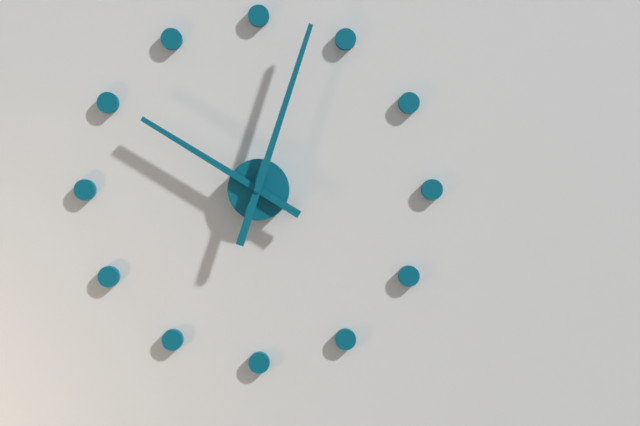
{"hour": 10, "minute": 3}
